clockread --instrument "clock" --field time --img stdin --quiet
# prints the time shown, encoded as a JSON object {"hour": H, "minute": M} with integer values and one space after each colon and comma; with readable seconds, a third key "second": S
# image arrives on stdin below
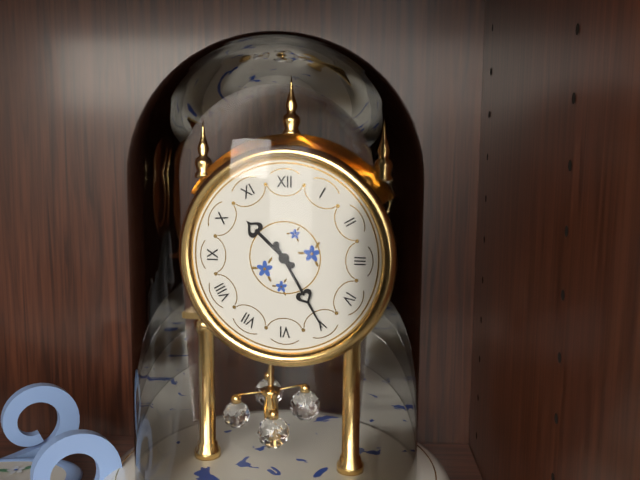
{"hour": 10, "minute": 25}
